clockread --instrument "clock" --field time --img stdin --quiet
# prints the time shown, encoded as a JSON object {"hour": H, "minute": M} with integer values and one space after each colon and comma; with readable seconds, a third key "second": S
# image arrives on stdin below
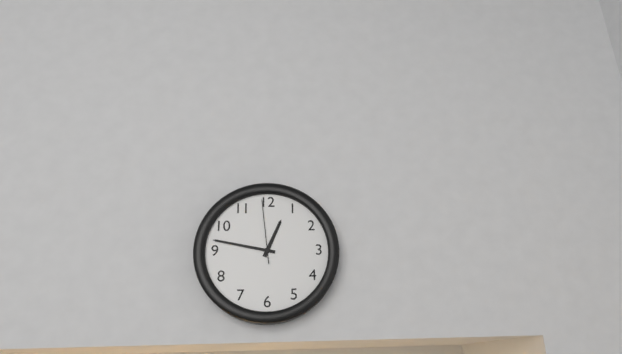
{"hour": 12, "minute": 47, "second": 59}
